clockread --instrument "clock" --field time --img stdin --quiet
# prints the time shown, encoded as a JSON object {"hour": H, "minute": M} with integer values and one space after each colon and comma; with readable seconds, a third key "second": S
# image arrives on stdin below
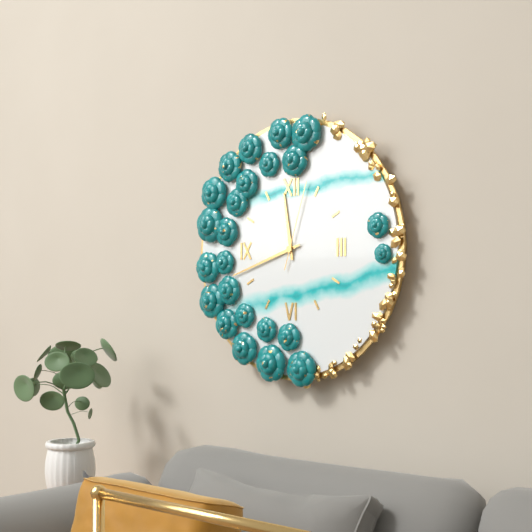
{"hour": 11, "minute": 42, "second": 3}
